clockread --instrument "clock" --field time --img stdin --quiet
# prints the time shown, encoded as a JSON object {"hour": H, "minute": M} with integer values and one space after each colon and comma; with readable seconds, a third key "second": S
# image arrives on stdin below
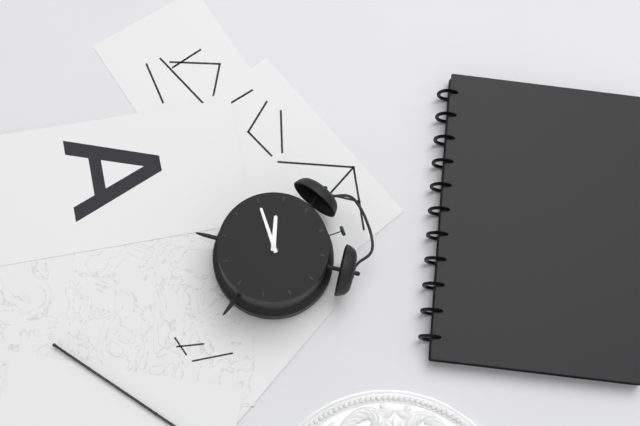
{"hour": 9, "minute": 45}
